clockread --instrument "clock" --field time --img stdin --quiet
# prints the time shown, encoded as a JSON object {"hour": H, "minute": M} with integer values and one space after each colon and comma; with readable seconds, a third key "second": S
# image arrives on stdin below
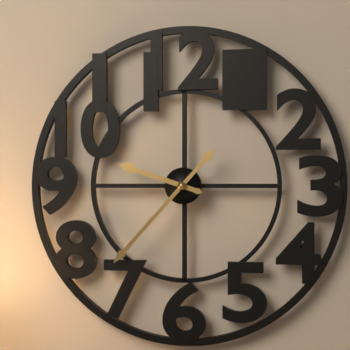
{"hour": 9, "minute": 37}
